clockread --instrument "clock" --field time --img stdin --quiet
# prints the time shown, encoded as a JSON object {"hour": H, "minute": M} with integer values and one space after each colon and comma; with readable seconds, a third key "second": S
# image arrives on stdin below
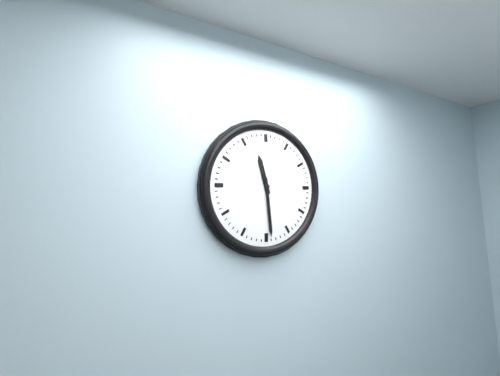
{"hour": 11, "minute": 29}
